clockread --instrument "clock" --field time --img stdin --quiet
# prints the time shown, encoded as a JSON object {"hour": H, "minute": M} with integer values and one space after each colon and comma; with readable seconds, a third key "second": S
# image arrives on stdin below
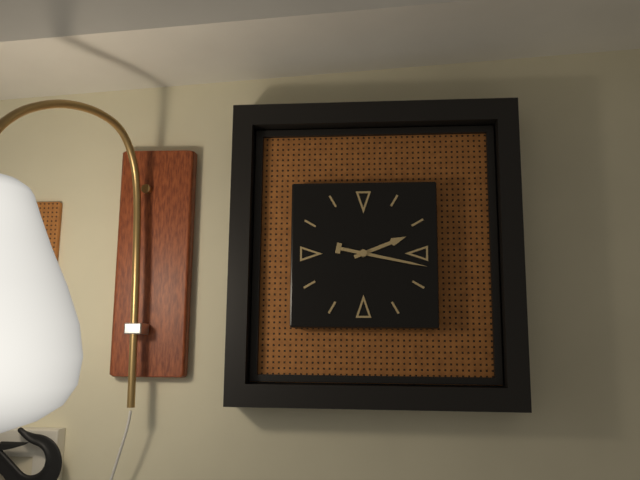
{"hour": 2, "minute": 17}
